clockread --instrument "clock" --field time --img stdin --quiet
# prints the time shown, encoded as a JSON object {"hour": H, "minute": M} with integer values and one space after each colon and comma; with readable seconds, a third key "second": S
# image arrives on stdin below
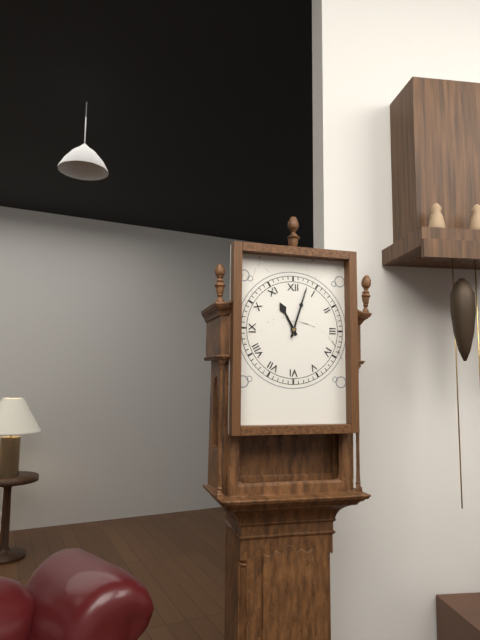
{"hour": 11, "minute": 3}
